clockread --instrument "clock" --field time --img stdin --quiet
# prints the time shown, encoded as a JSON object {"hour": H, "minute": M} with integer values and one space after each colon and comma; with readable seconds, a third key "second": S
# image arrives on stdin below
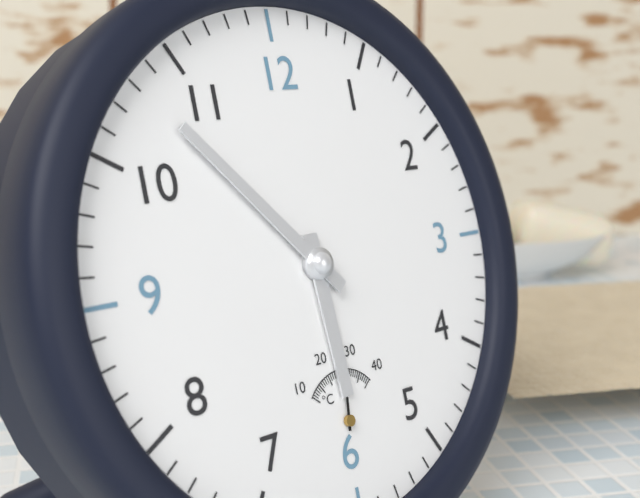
{"hour": 5, "minute": 53}
